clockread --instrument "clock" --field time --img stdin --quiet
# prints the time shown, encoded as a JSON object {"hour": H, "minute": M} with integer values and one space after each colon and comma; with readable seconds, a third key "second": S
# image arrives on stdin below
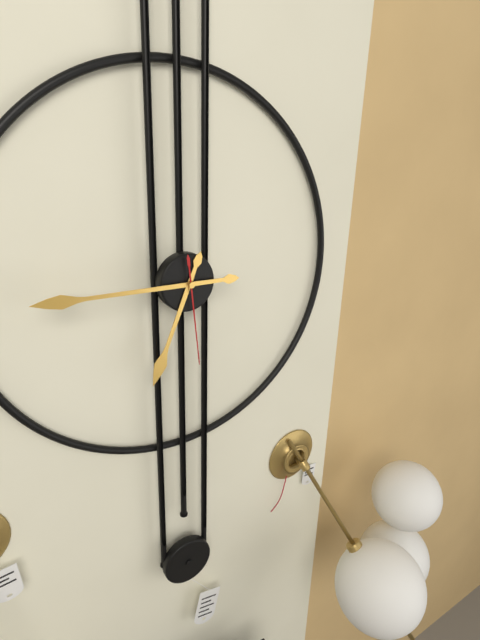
{"hour": 6, "minute": 45, "second": 29}
